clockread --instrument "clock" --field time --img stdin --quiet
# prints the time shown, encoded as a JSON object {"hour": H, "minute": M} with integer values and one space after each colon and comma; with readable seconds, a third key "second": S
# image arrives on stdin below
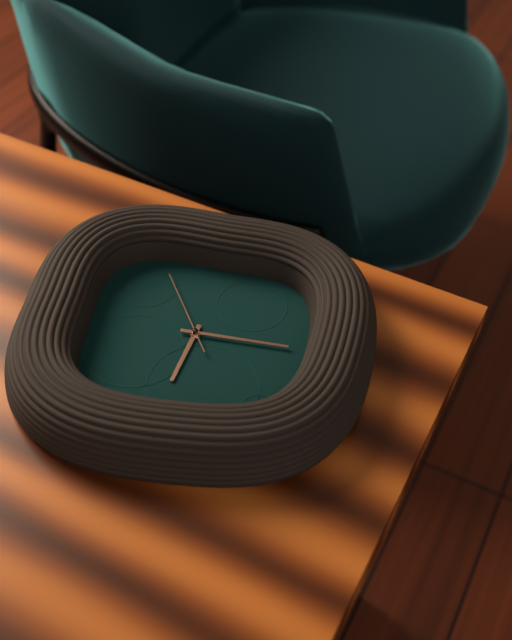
{"hour": 6, "minute": 15, "second": 55}
